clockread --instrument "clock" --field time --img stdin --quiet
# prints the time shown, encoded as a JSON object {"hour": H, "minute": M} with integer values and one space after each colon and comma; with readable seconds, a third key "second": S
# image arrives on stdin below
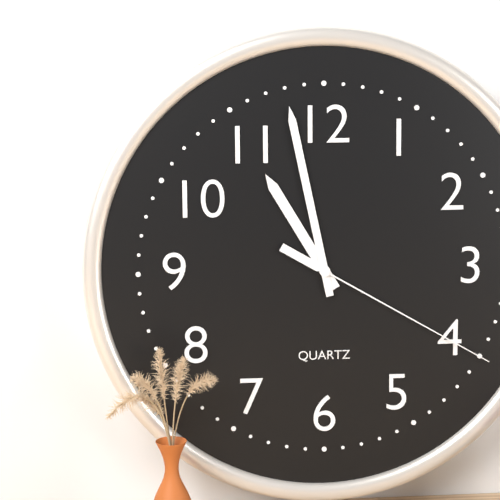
{"hour": 10, "minute": 58, "second": 20}
